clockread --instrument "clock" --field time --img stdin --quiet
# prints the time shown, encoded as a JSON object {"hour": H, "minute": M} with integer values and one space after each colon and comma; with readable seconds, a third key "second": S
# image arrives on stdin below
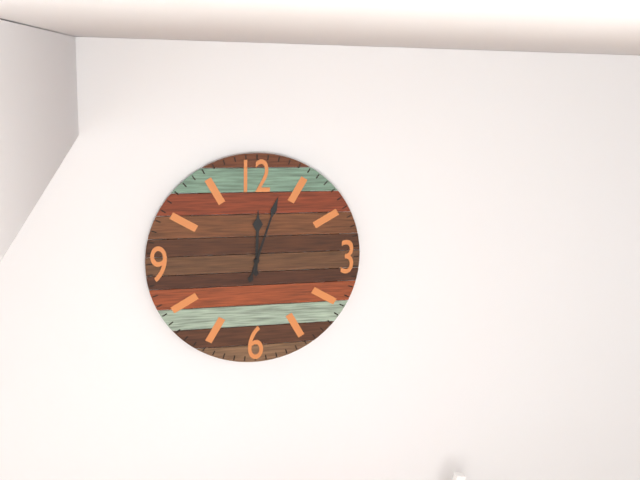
{"hour": 12, "minute": 3}
